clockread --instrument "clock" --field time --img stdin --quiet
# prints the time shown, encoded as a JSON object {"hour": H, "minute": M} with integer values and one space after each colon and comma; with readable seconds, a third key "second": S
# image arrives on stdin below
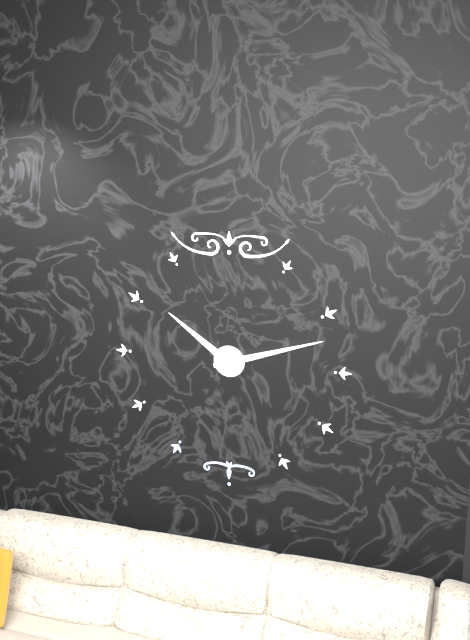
{"hour": 10, "minute": 12}
